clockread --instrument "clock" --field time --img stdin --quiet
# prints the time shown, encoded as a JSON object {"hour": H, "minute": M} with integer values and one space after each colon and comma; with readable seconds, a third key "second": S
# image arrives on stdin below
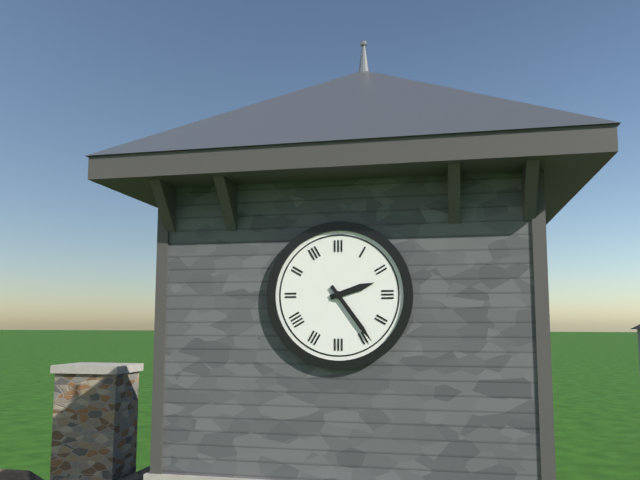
{"hour": 2, "minute": 24}
